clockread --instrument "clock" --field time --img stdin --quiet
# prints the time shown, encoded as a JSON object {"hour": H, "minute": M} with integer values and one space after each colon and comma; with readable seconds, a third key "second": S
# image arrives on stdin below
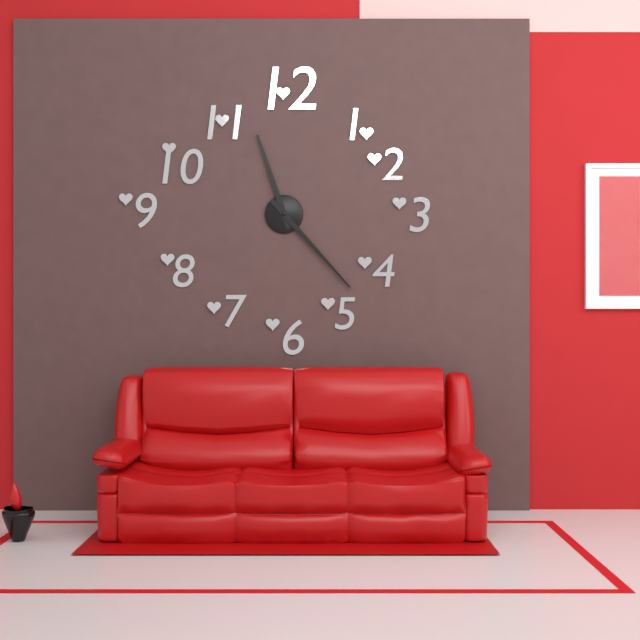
{"hour": 11, "minute": 23}
